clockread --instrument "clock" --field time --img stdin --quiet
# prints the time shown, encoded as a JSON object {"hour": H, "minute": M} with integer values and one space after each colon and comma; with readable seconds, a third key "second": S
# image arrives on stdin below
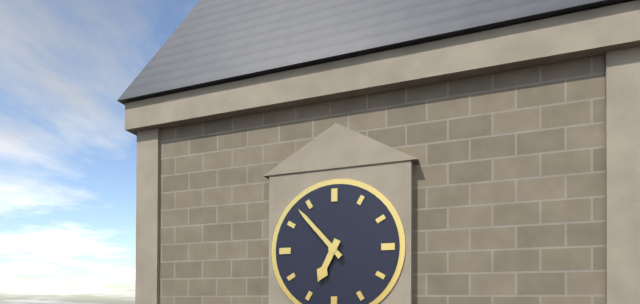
{"hour": 6, "minute": 53}
